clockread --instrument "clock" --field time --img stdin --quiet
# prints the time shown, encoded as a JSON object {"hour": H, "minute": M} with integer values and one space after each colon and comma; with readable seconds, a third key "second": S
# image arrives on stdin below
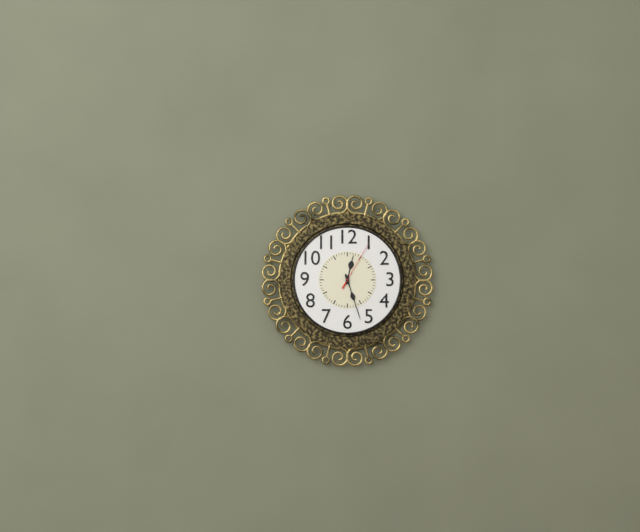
{"hour": 12, "minute": 27, "second": 5}
